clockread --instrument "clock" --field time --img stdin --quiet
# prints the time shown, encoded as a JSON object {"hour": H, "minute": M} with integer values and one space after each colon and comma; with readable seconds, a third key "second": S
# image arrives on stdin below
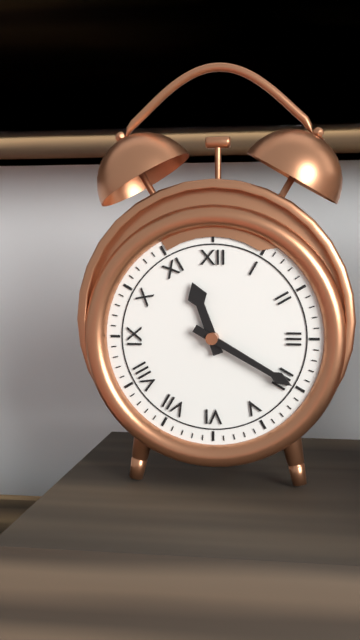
{"hour": 11, "minute": 20}
